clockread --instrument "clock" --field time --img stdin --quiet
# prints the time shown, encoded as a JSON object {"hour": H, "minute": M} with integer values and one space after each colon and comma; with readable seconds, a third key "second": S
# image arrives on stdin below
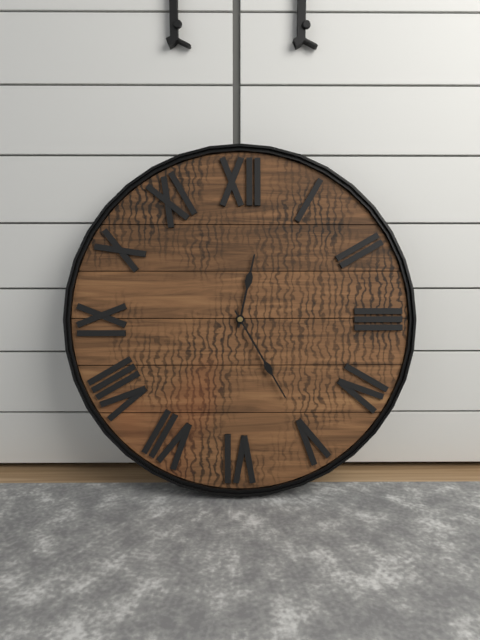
{"hour": 12, "minute": 25}
